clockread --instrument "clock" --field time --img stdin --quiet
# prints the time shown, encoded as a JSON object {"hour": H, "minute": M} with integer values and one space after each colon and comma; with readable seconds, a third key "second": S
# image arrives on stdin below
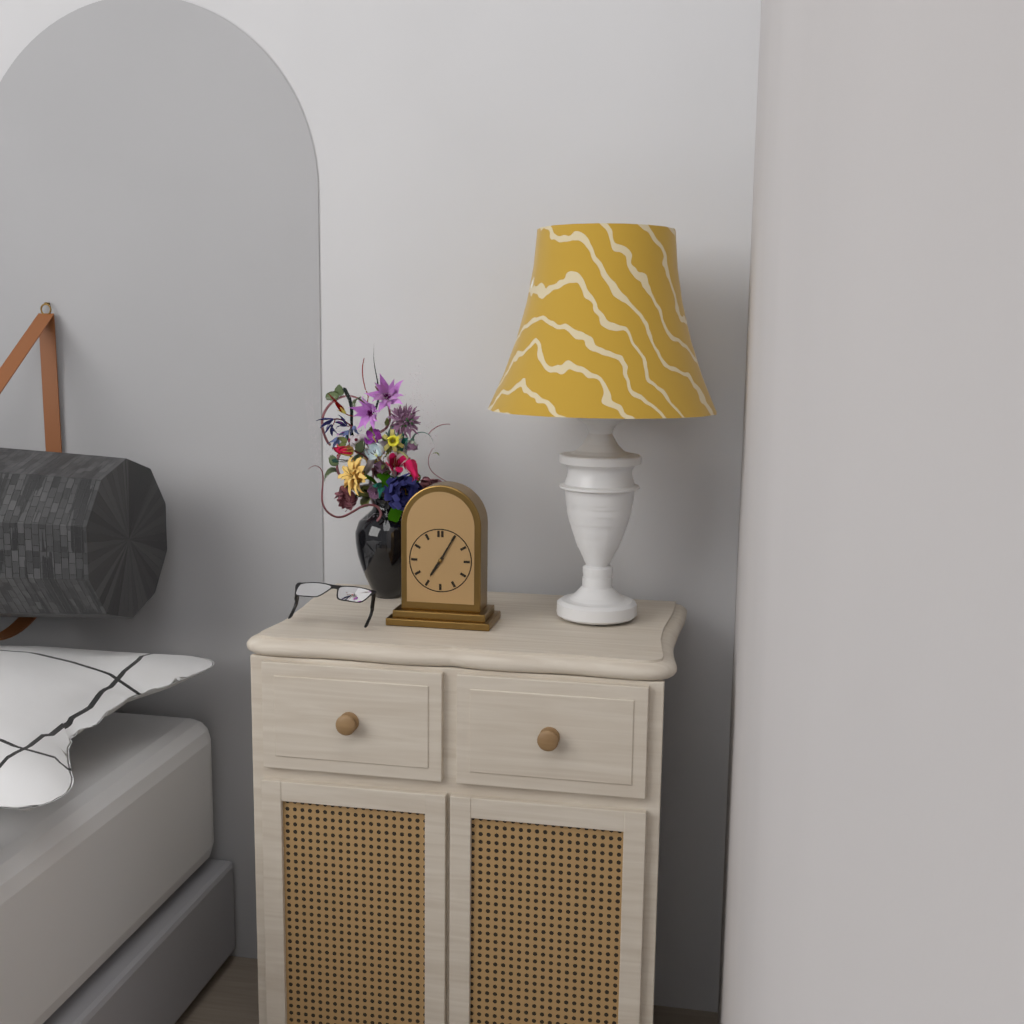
{"hour": 7, "minute": 5}
